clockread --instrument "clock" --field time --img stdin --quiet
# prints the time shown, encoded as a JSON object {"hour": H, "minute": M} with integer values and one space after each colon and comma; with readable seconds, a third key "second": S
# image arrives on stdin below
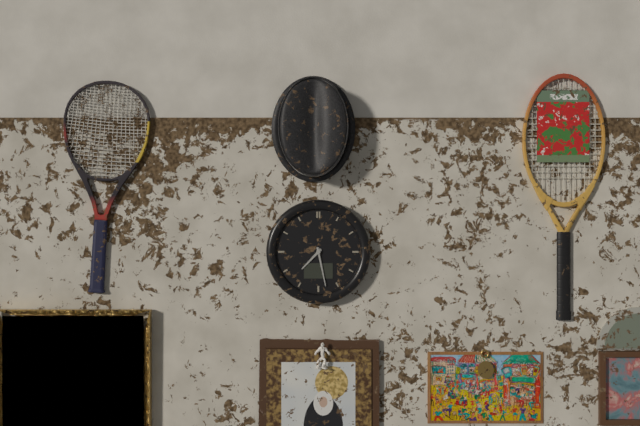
{"hour": 7, "minute": 28}
